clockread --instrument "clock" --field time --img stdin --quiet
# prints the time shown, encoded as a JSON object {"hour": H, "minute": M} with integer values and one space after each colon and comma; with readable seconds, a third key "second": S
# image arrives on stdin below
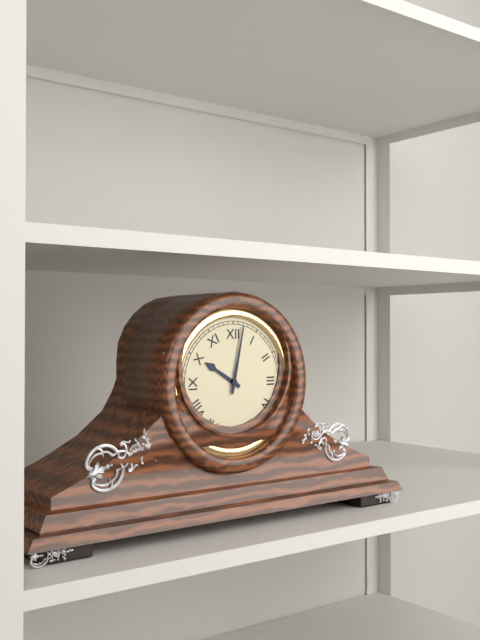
{"hour": 10, "minute": 2}
